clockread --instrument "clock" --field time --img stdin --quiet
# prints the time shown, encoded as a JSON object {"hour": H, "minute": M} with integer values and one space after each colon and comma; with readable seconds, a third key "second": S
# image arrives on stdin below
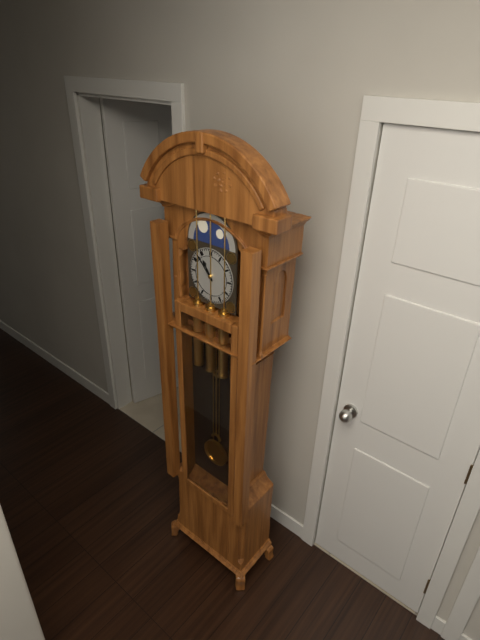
{"hour": 10, "minute": 53}
